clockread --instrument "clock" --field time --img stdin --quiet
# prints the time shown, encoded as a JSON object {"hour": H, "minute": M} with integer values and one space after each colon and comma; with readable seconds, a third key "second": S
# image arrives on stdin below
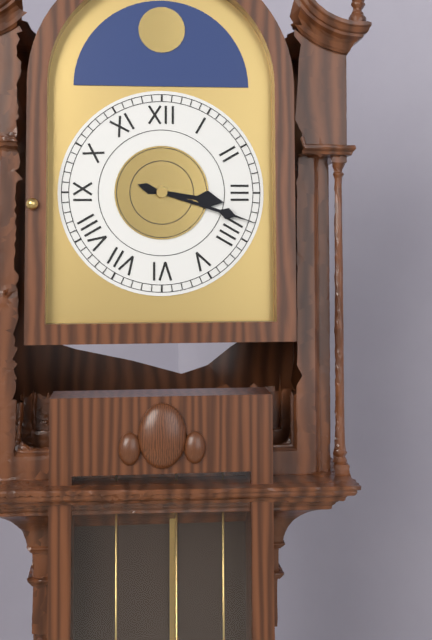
{"hour": 3, "minute": 18}
